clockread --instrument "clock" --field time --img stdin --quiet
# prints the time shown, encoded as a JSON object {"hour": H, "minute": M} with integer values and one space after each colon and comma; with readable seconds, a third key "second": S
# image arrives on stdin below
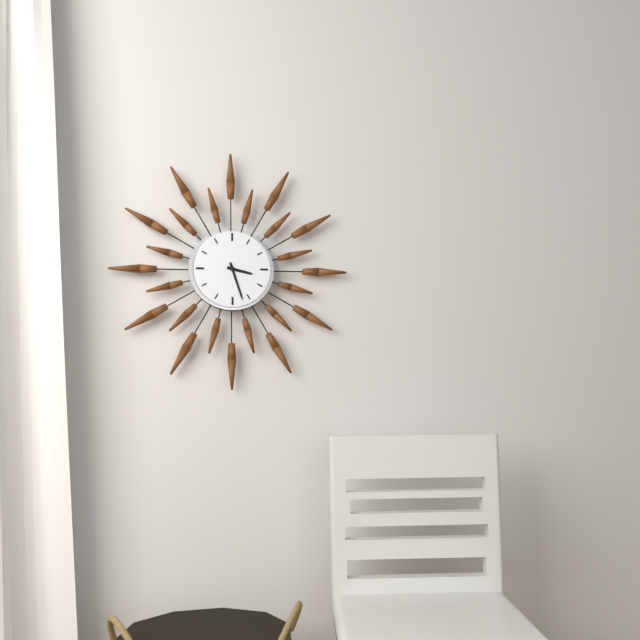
{"hour": 3, "minute": 27}
